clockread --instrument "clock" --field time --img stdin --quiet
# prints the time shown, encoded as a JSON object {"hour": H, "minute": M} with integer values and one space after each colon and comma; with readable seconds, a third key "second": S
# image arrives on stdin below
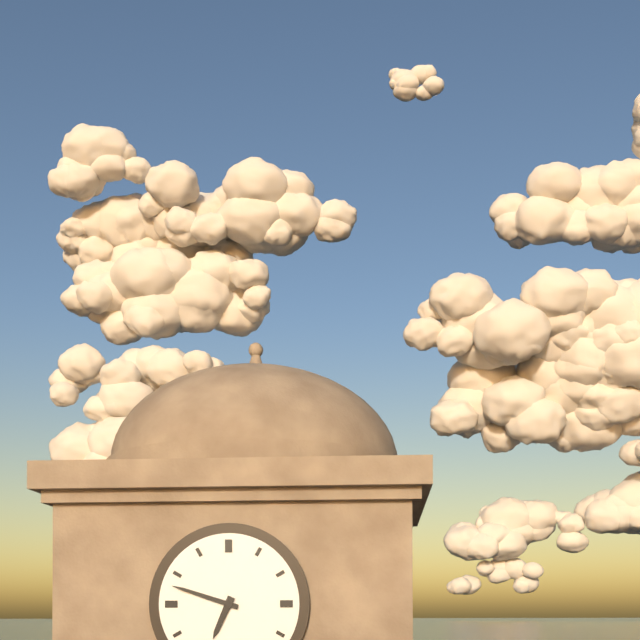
{"hour": 6, "minute": 48}
